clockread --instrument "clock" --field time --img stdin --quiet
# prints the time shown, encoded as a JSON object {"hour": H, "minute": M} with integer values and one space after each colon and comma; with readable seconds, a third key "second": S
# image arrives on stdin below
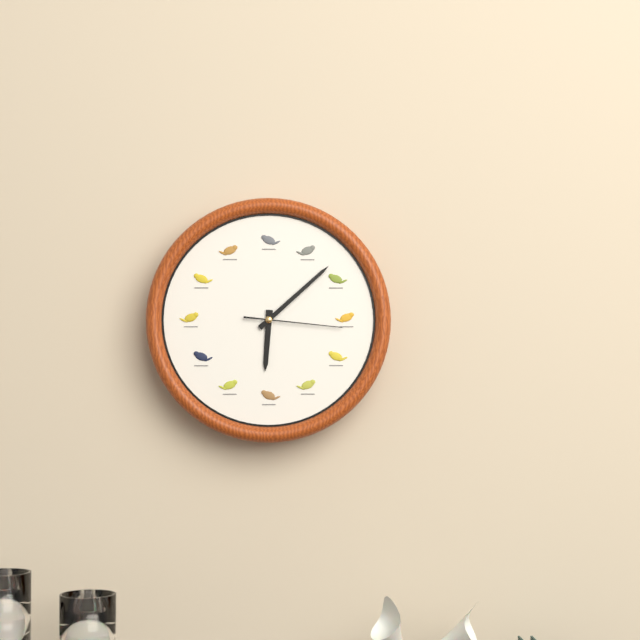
{"hour": 6, "minute": 8, "second": 16}
